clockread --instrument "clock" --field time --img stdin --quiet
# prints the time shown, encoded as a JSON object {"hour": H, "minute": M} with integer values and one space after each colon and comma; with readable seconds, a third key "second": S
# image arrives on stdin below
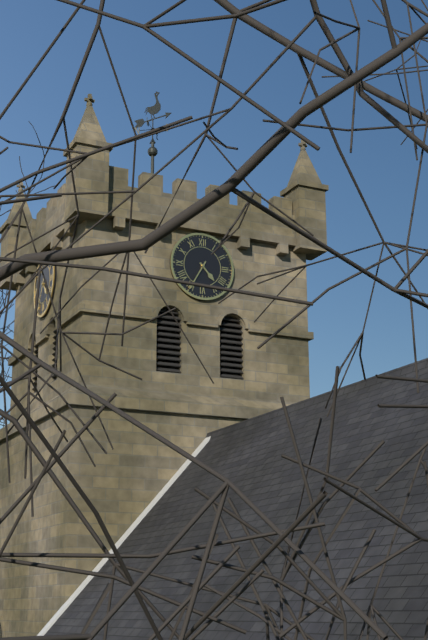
{"hour": 4, "minute": 35}
